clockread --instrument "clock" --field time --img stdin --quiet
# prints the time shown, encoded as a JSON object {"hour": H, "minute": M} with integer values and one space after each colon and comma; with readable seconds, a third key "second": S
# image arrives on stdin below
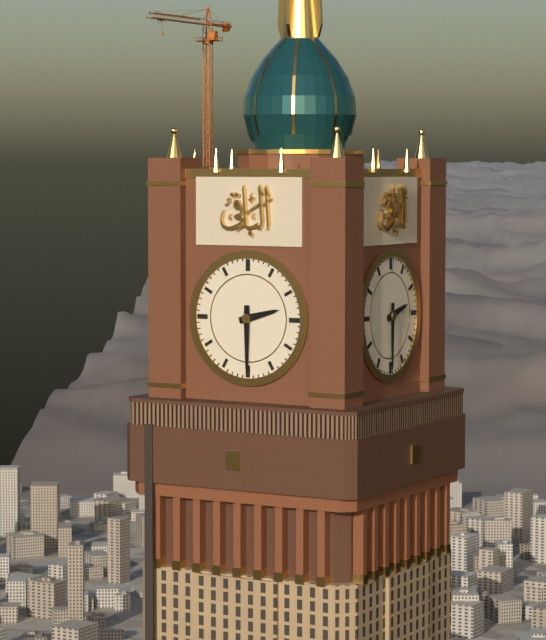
{"hour": 2, "minute": 30}
